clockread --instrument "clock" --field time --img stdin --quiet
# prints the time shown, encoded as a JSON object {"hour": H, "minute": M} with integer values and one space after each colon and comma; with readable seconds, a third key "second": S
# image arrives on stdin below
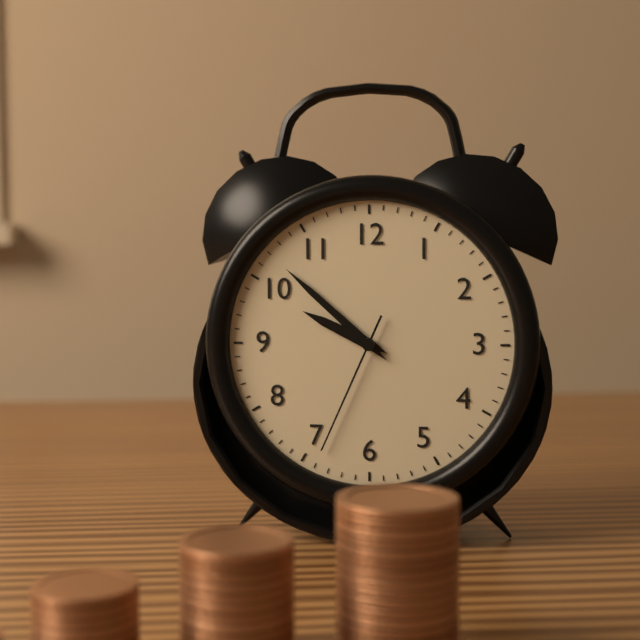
{"hour": 9, "minute": 52, "second": 34}
